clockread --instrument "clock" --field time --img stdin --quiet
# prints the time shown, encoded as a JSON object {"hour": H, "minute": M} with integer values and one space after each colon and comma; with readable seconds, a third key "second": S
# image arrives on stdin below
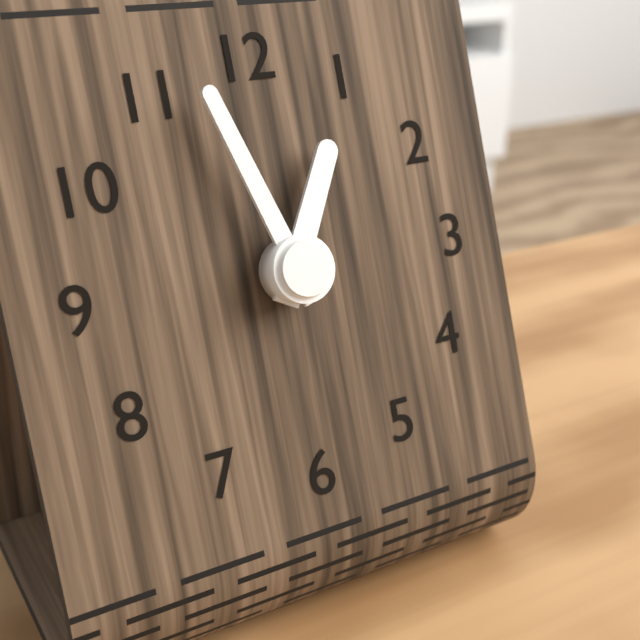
{"hour": 12, "minute": 57}
